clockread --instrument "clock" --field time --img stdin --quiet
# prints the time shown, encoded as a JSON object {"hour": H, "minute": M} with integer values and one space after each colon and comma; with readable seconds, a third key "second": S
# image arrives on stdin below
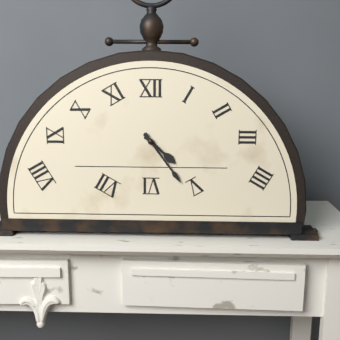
{"hour": 4, "minute": 24}
